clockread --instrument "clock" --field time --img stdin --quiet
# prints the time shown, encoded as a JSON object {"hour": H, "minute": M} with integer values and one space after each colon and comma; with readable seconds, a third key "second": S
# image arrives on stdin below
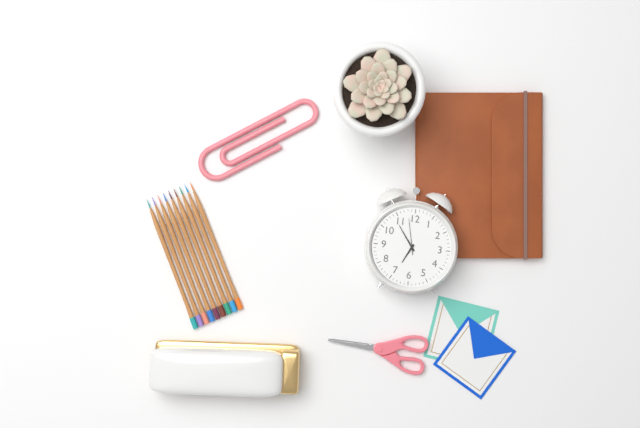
{"hour": 6, "minute": 54}
